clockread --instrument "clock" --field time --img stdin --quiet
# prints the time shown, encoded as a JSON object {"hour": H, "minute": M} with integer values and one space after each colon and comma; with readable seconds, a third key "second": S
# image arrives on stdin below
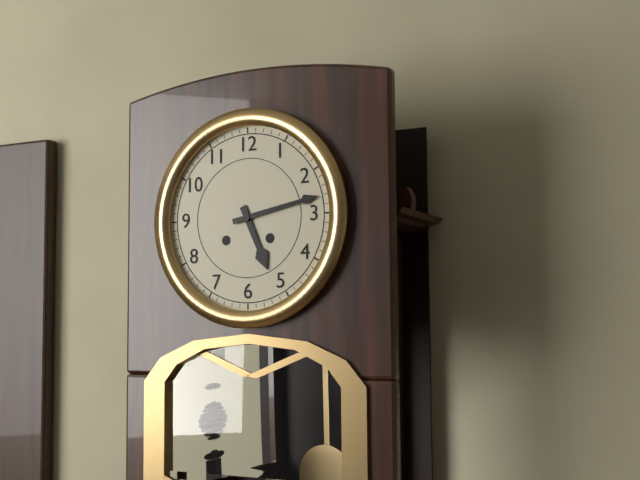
{"hour": 5, "minute": 13}
